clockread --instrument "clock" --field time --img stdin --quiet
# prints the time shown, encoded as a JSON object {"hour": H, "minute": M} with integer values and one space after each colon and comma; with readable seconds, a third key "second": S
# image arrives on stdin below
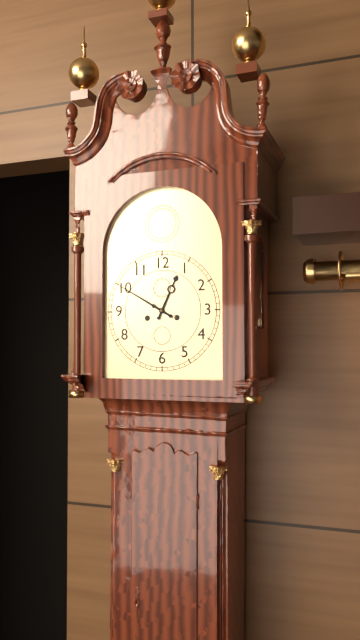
{"hour": 12, "minute": 50}
